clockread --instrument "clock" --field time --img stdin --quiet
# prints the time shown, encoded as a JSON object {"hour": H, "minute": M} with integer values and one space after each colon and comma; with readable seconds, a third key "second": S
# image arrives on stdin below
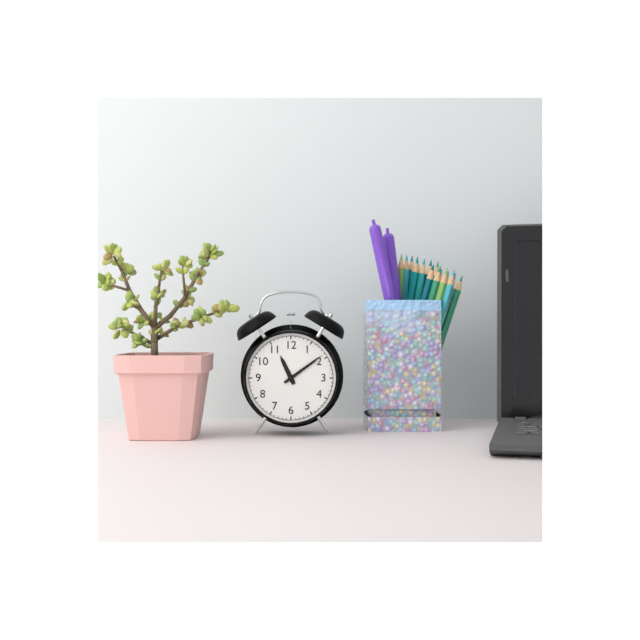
{"hour": 11, "minute": 9}
